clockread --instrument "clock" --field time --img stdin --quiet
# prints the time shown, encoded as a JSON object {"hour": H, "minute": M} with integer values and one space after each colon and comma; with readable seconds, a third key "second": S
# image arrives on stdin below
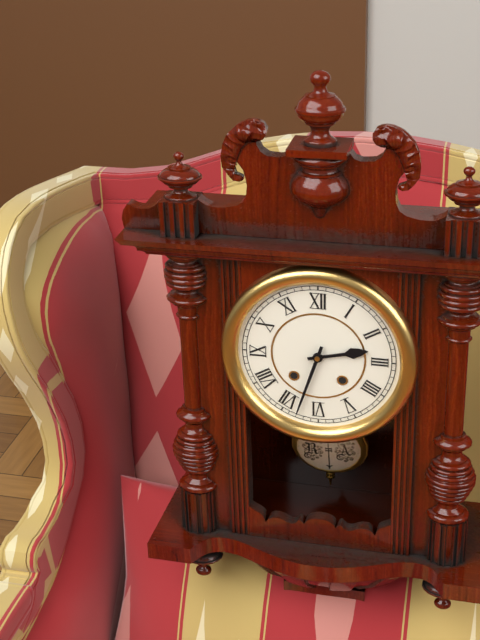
{"hour": 2, "minute": 33}
